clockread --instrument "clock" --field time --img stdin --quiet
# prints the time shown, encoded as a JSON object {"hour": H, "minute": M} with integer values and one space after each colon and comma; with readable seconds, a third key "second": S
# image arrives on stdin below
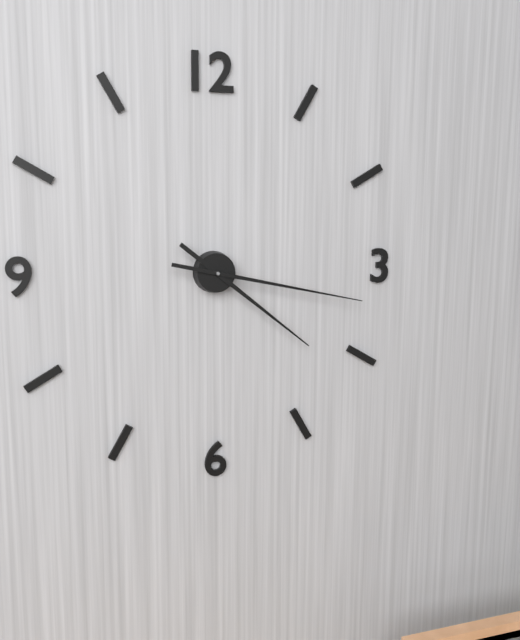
{"hour": 4, "minute": 17}
